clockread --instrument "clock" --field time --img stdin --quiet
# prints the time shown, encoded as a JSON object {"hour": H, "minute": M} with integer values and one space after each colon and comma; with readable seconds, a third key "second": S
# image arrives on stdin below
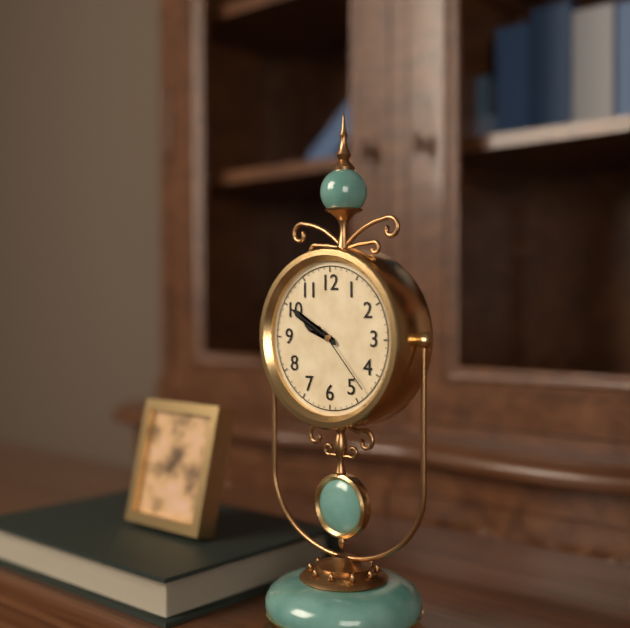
{"hour": 9, "minute": 50, "second": 23}
